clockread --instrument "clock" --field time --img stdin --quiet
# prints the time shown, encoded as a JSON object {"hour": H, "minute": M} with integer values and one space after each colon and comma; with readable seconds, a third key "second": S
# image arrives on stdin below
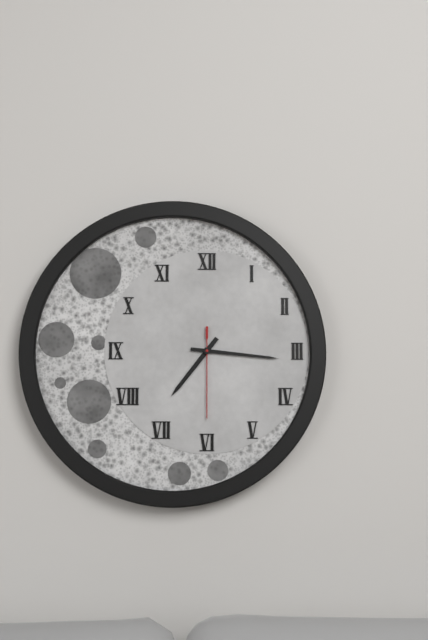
{"hour": 7, "minute": 16, "second": 30}
